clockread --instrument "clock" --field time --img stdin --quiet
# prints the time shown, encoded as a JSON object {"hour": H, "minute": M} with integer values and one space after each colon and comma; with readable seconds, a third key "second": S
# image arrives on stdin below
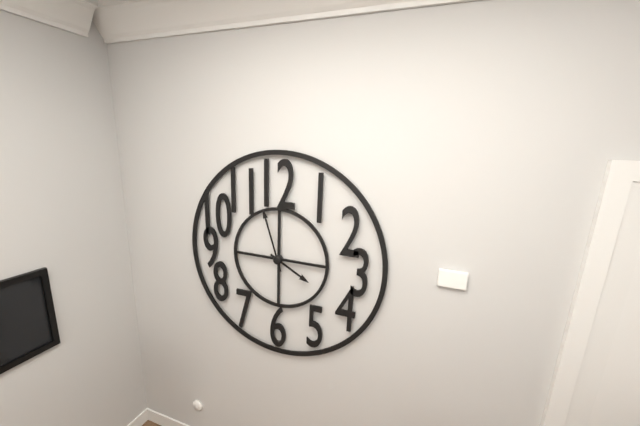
{"hour": 3, "minute": 57}
